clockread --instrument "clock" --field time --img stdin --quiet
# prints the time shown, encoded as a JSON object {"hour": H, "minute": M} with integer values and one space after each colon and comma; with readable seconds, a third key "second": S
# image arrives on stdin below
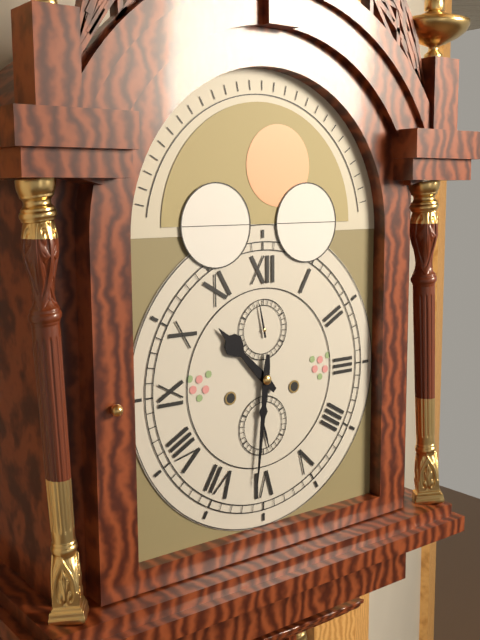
{"hour": 10, "minute": 31}
